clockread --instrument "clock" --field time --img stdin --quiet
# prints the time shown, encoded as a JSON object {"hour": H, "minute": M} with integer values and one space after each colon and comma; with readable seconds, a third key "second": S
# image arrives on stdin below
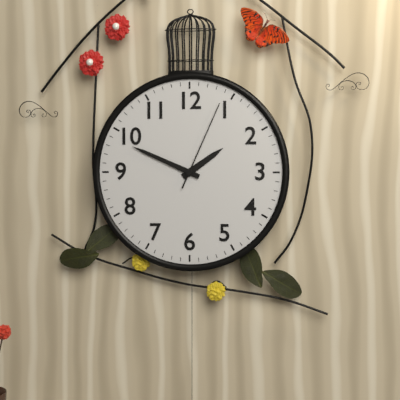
{"hour": 1, "minute": 49, "second": 4}
